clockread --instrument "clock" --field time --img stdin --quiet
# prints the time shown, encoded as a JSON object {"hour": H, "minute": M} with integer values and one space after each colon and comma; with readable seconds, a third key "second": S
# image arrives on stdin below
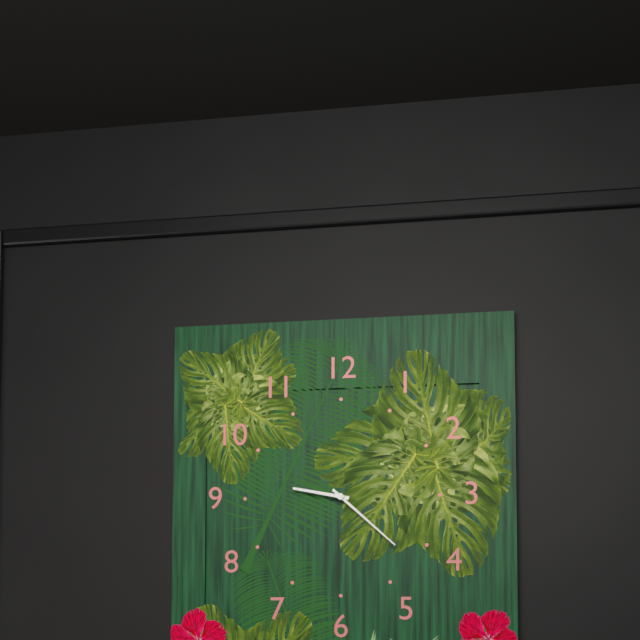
{"hour": 9, "minute": 22}
